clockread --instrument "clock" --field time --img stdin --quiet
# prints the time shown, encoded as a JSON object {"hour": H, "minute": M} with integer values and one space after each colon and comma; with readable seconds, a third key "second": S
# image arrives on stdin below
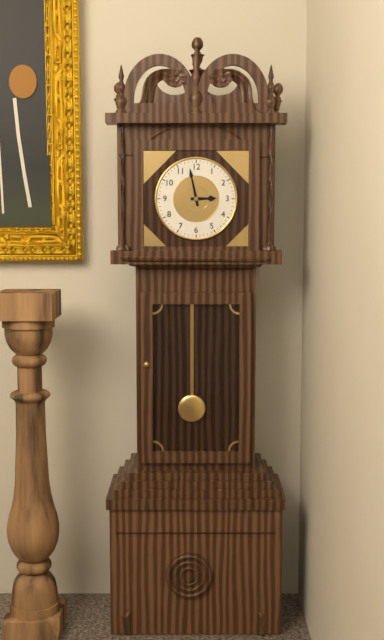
{"hour": 2, "minute": 58}
